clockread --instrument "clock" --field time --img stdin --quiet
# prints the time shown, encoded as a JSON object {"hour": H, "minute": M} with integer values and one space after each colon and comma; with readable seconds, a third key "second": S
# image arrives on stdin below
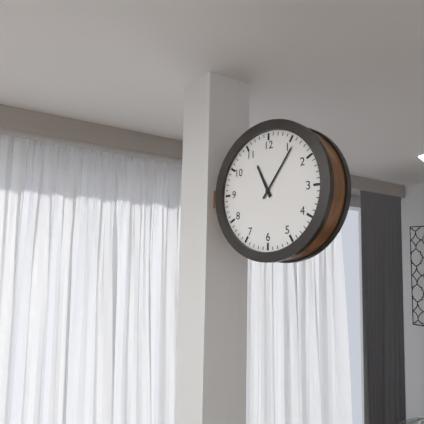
{"hour": 11, "minute": 6}
